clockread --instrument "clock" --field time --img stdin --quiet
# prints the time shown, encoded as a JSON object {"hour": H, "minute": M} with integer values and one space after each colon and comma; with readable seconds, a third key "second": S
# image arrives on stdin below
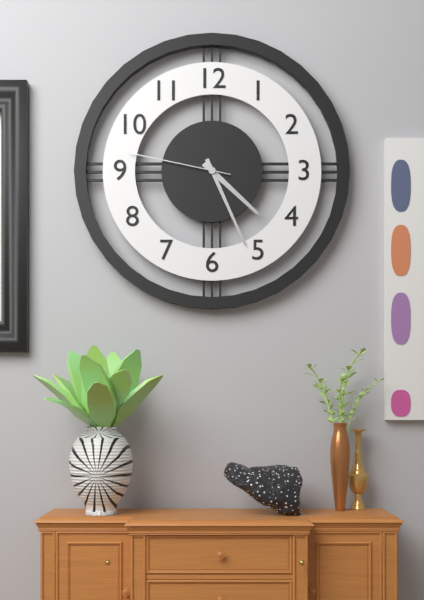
{"hour": 4, "minute": 26, "second": 47}
